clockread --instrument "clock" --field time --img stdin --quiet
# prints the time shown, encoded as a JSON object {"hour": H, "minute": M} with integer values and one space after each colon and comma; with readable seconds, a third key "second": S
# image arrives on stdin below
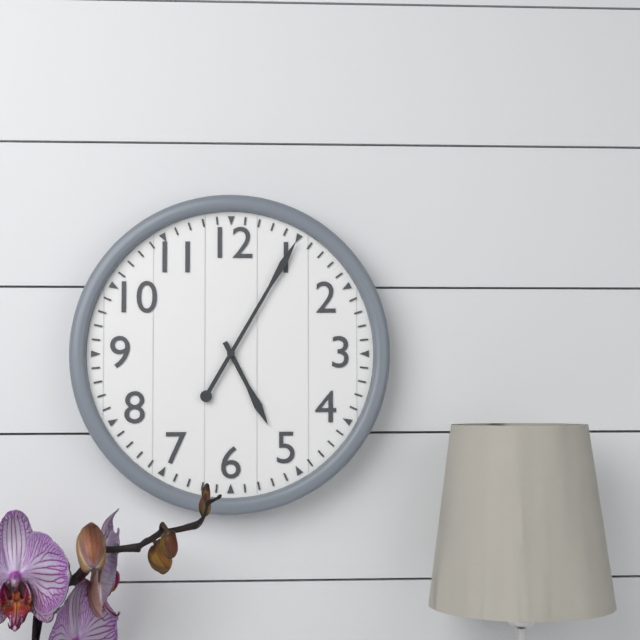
{"hour": 5, "minute": 5}
